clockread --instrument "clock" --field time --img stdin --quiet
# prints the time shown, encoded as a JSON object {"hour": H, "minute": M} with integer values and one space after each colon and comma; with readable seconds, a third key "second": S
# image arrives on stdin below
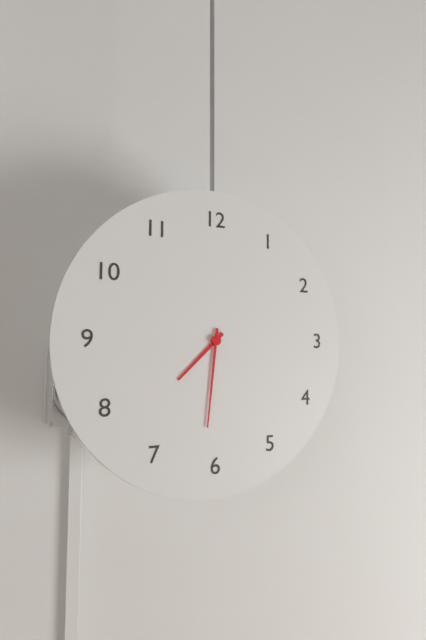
{"hour": 7, "minute": 31}
